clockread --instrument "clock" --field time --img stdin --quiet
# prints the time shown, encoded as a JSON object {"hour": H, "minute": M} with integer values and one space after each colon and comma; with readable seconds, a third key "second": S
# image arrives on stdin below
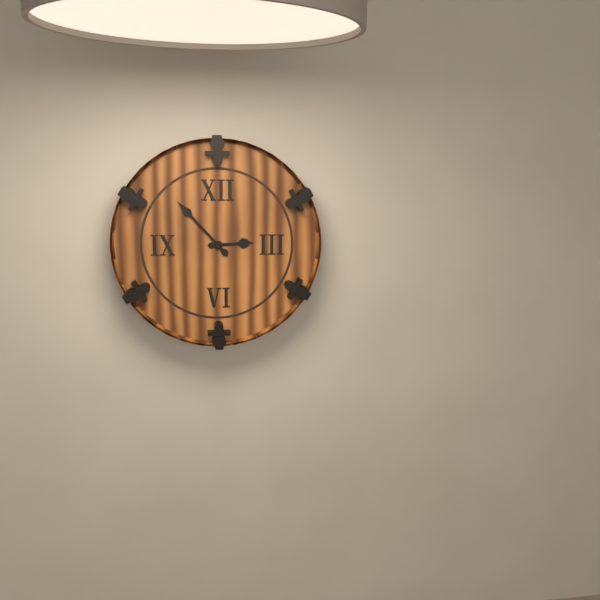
{"hour": 2, "minute": 53}
